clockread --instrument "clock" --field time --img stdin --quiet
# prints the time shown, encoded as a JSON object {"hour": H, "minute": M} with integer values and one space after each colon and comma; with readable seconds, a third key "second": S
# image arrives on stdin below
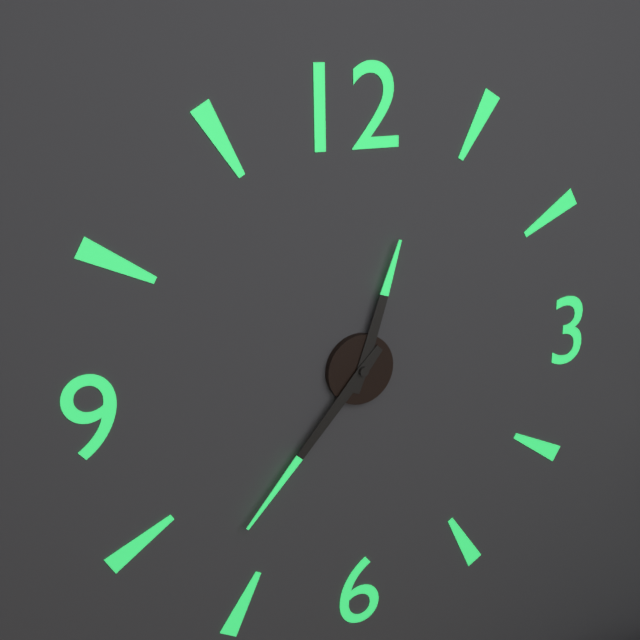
{"hour": 12, "minute": 37}
